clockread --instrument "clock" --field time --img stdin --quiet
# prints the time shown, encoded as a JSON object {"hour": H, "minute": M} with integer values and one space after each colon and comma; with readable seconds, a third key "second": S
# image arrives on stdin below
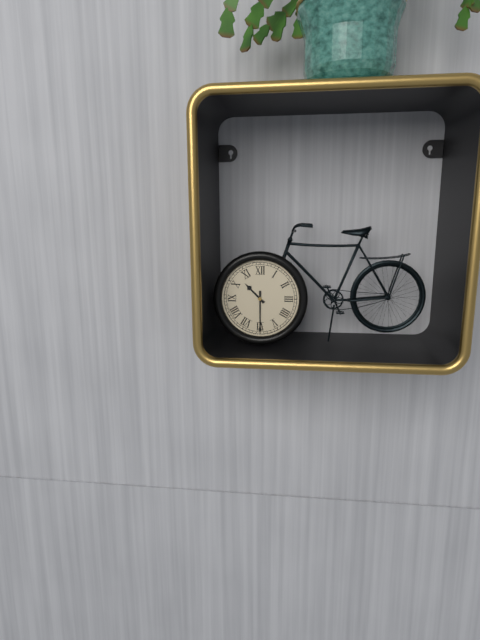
{"hour": 10, "minute": 30}
